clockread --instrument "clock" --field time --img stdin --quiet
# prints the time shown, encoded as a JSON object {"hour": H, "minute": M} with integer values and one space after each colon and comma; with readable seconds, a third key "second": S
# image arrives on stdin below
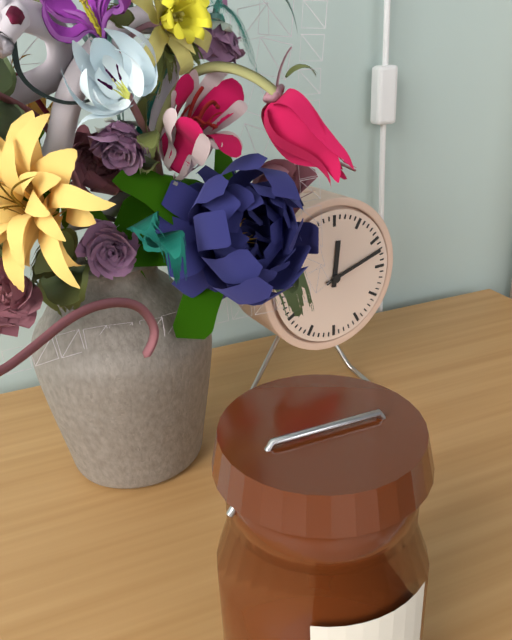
{"hour": 12, "minute": 12}
